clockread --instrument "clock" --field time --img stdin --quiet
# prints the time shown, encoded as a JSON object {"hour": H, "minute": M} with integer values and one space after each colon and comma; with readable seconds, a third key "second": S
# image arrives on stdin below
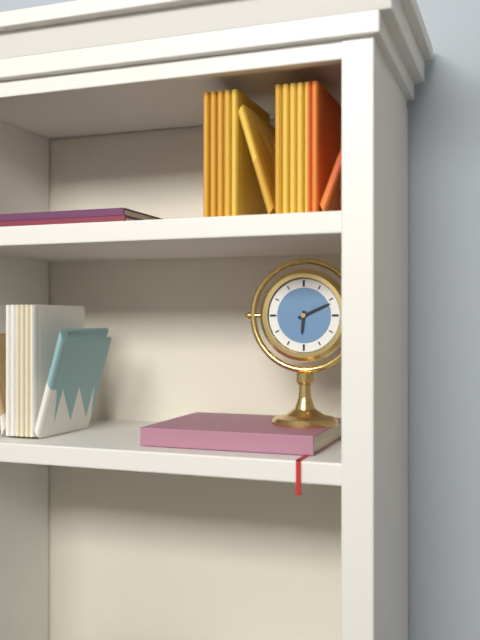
{"hour": 6, "minute": 11}
